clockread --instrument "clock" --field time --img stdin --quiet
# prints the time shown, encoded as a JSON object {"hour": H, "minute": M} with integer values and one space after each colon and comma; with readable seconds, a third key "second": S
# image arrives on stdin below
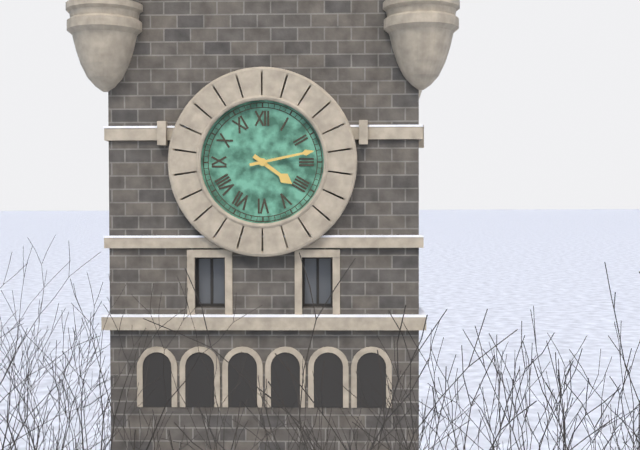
{"hour": 4, "minute": 13}
